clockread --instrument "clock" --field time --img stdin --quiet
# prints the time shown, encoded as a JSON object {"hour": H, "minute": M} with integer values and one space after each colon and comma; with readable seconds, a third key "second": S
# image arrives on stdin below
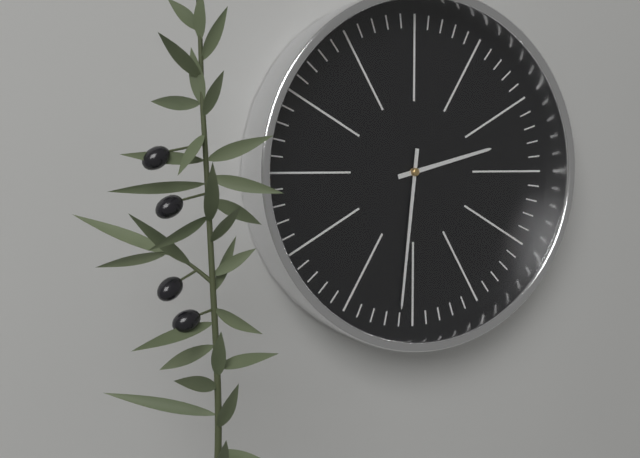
{"hour": 2, "minute": 31}
